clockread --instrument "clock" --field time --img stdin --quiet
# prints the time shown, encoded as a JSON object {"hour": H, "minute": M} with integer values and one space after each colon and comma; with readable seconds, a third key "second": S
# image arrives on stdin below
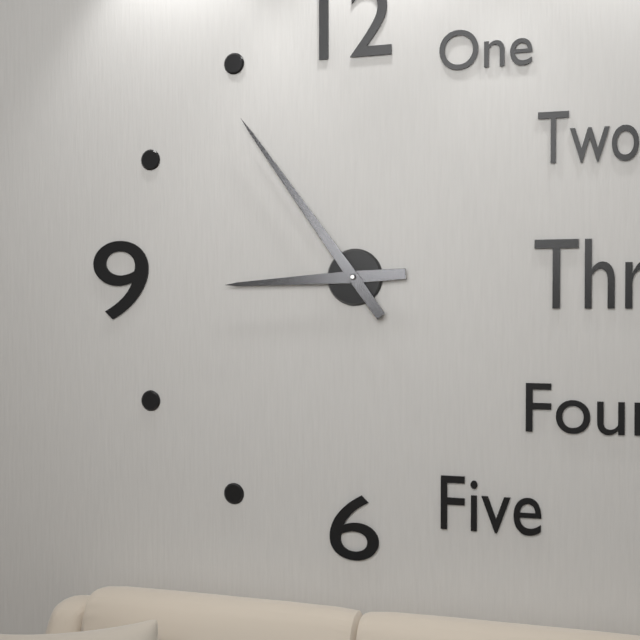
{"hour": 8, "minute": 54}
